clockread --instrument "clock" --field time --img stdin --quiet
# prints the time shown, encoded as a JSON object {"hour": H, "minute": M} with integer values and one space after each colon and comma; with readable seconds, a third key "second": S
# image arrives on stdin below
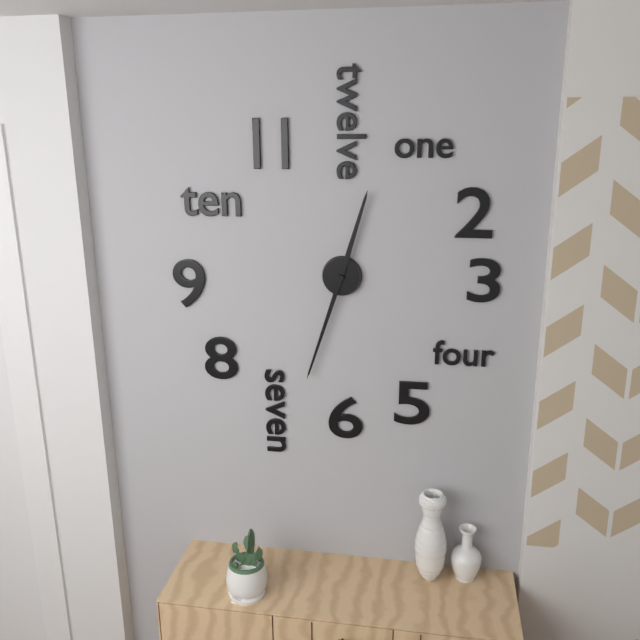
{"hour": 12, "minute": 33}
